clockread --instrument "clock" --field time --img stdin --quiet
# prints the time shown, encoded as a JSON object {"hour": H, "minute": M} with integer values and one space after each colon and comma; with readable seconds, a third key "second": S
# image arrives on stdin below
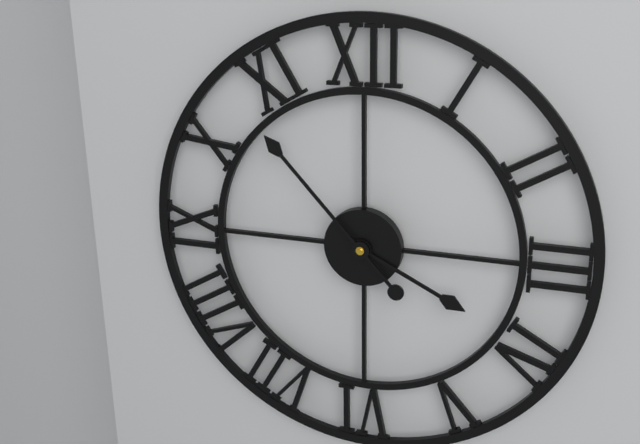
{"hour": 3, "minute": 53}
